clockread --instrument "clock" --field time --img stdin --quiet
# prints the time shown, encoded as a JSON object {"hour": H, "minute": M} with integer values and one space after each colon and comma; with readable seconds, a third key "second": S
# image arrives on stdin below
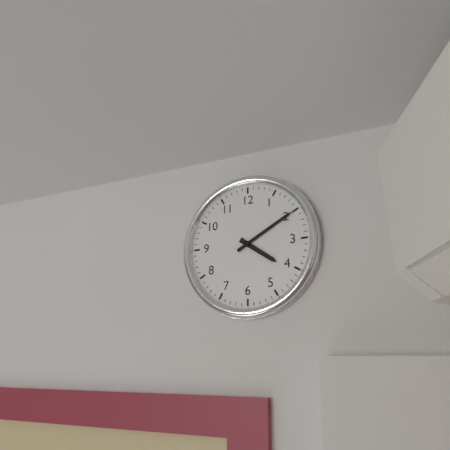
{"hour": 4, "minute": 10}
